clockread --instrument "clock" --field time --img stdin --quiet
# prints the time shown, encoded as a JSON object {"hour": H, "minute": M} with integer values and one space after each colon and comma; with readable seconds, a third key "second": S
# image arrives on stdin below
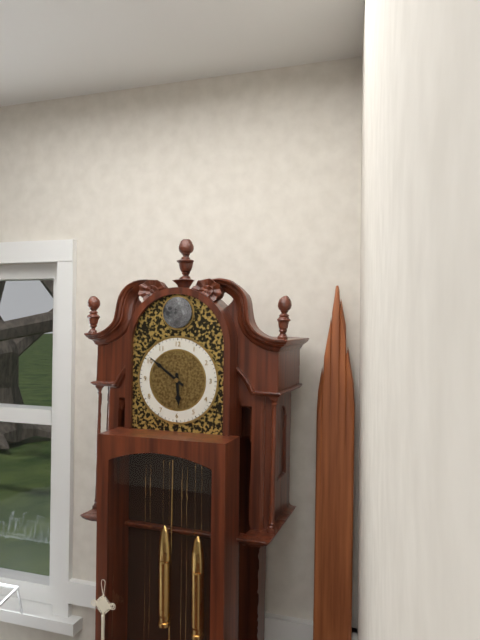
{"hour": 5, "minute": 51}
